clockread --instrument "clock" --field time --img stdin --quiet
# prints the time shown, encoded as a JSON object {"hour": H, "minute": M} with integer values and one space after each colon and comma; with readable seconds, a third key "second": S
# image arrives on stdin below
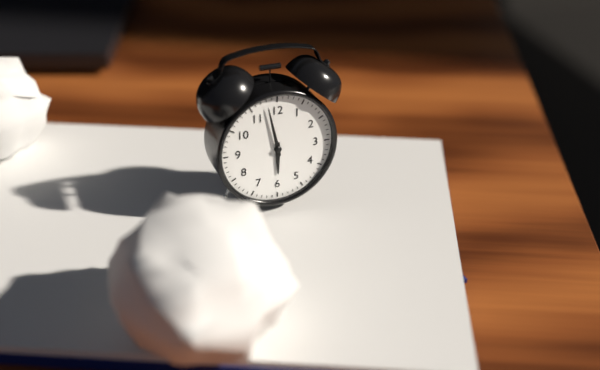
{"hour": 5, "minute": 58}
